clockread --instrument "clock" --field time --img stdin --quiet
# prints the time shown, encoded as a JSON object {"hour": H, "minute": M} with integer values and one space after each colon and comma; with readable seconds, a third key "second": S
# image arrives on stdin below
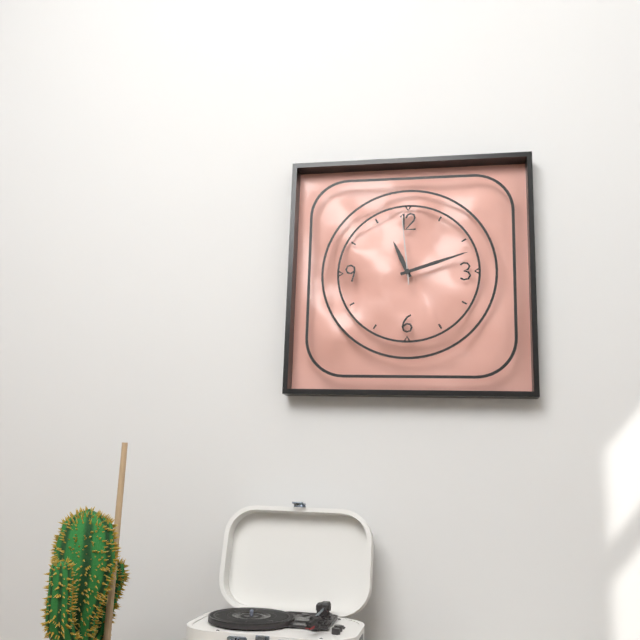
{"hour": 11, "minute": 12, "second": 59}
